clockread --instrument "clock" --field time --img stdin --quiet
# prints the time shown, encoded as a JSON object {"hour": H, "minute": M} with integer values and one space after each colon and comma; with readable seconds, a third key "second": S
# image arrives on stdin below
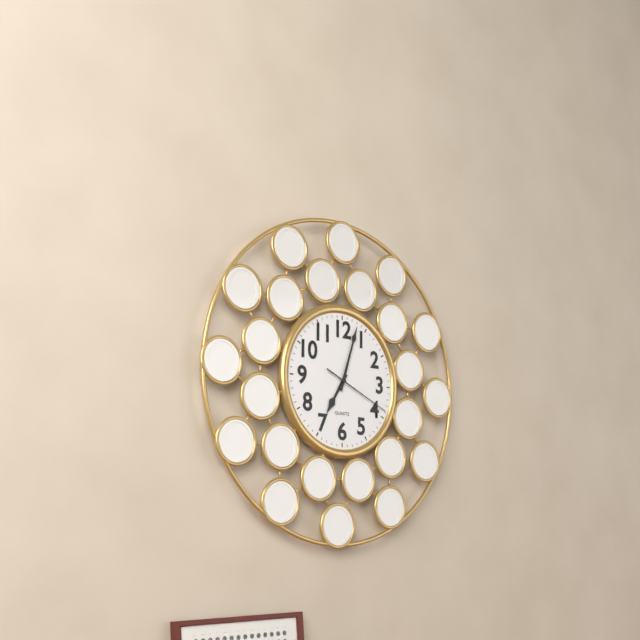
{"hour": 7, "minute": 3, "second": 19}
